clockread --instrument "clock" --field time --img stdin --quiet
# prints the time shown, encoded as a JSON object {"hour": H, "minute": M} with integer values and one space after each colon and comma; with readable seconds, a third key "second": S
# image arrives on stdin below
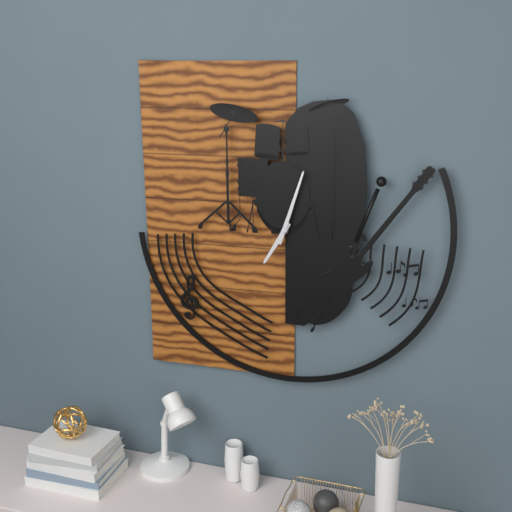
{"hour": 7, "minute": 3}
